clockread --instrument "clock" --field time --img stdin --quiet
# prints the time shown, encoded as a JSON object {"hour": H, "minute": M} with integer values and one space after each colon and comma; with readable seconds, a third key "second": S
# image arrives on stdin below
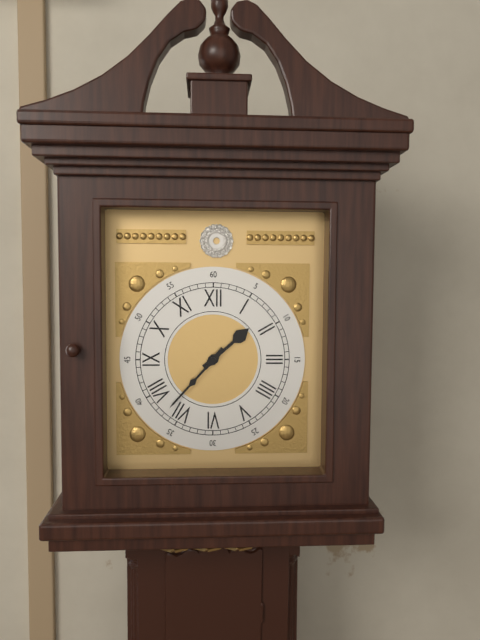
{"hour": 1, "minute": 37}
